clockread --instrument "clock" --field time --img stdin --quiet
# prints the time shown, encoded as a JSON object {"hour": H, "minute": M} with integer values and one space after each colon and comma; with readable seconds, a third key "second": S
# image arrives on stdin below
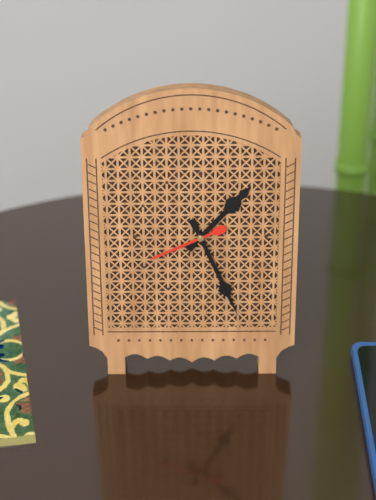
{"hour": 1, "minute": 26, "second": 41}
